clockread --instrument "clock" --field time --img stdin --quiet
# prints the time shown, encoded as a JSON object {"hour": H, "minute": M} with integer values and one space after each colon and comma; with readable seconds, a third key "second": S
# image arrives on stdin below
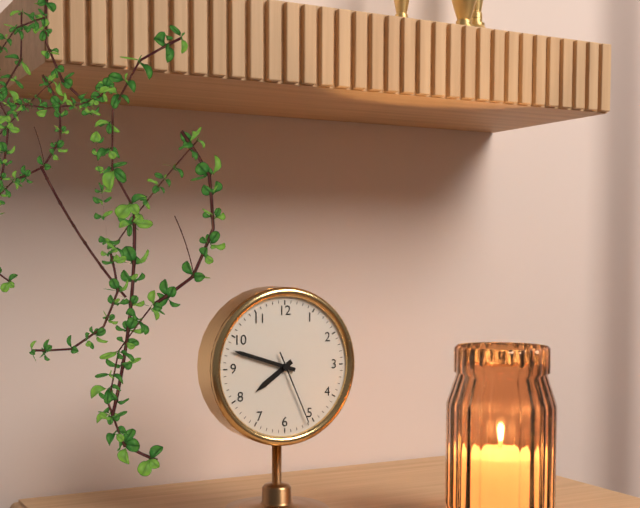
{"hour": 7, "minute": 48, "second": 26}
